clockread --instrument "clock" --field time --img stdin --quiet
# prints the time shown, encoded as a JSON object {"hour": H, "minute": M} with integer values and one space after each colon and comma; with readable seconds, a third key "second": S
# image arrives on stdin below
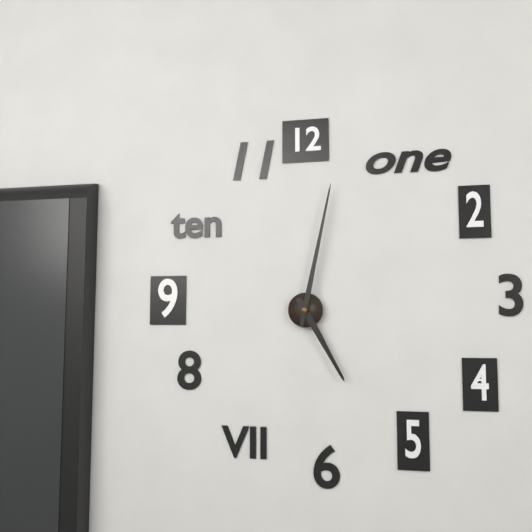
{"hour": 5, "minute": 2}
